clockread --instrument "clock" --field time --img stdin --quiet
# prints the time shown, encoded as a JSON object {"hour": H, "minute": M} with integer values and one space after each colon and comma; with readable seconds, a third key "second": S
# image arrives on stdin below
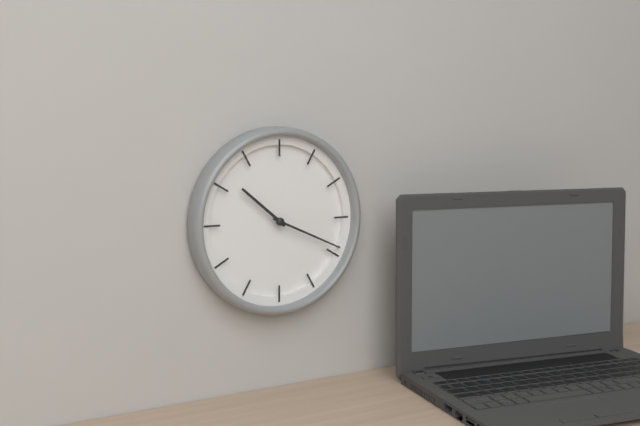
{"hour": 10, "minute": 19}
